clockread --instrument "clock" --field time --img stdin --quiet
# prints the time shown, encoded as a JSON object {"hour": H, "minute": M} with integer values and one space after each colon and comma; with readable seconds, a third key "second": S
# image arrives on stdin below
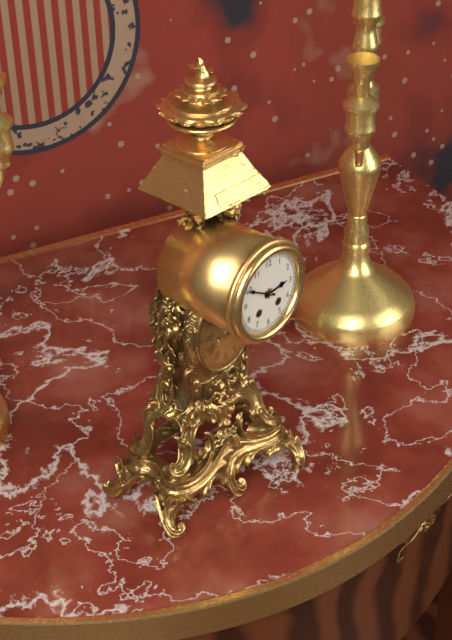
{"hour": 2, "minute": 50}
